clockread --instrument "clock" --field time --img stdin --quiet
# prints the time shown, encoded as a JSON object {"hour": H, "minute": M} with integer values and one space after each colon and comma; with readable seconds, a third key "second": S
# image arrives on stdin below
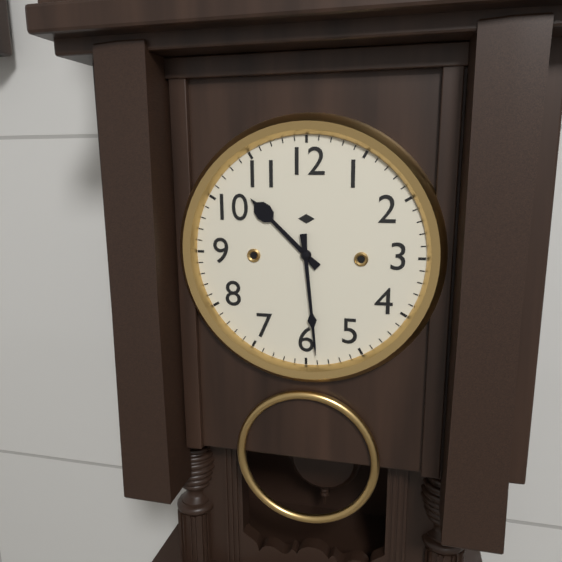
{"hour": 10, "minute": 29}
